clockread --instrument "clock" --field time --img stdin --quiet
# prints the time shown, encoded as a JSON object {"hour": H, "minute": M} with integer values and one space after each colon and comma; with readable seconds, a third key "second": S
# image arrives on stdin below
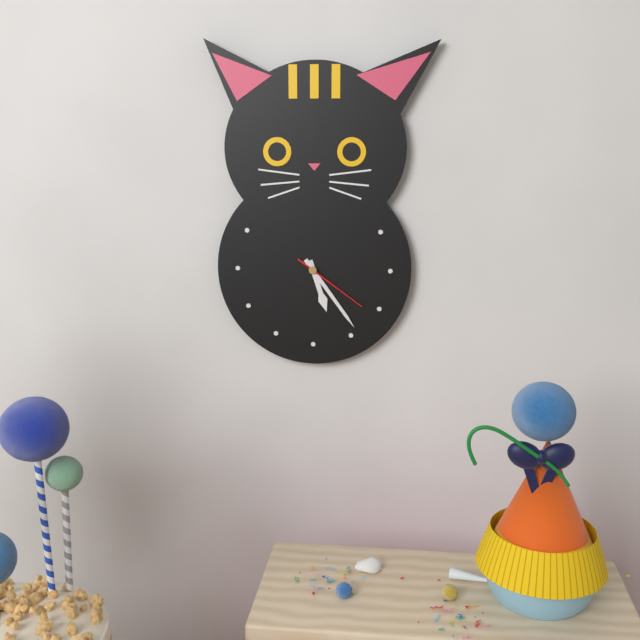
{"hour": 5, "minute": 24, "second": 21}
